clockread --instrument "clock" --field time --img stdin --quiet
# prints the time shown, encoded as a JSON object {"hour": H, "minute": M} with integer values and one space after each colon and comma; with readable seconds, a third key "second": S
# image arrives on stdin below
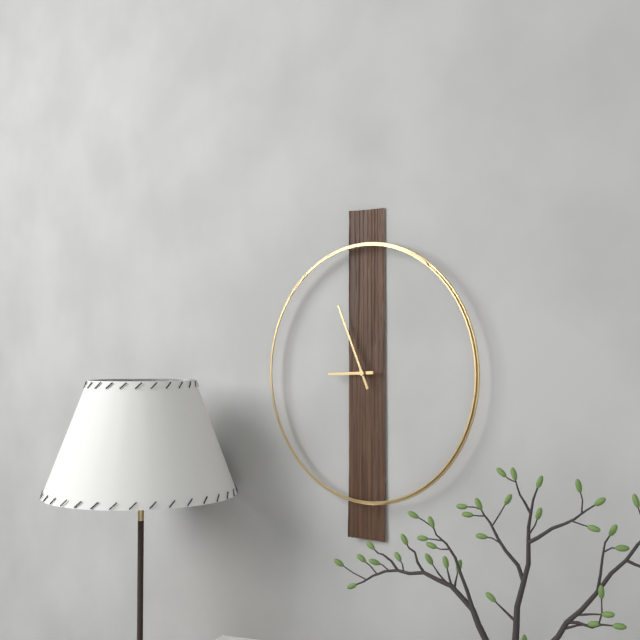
{"hour": 8, "minute": 56}
